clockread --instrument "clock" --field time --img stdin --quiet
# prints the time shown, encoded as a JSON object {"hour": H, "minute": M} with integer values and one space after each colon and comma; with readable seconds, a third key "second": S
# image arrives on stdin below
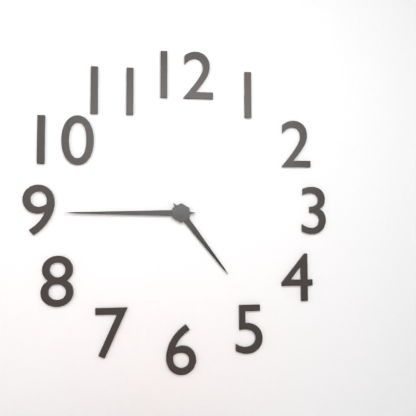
{"hour": 4, "minute": 45}
